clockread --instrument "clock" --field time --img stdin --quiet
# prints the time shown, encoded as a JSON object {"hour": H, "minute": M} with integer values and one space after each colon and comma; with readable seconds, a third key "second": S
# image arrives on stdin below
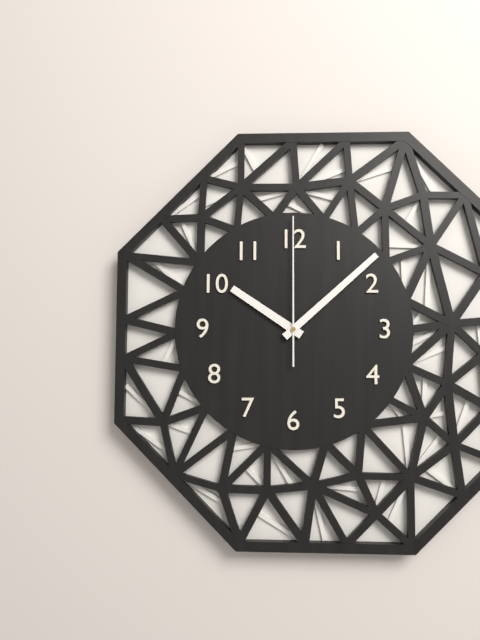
{"hour": 10, "minute": 8, "second": 0}
